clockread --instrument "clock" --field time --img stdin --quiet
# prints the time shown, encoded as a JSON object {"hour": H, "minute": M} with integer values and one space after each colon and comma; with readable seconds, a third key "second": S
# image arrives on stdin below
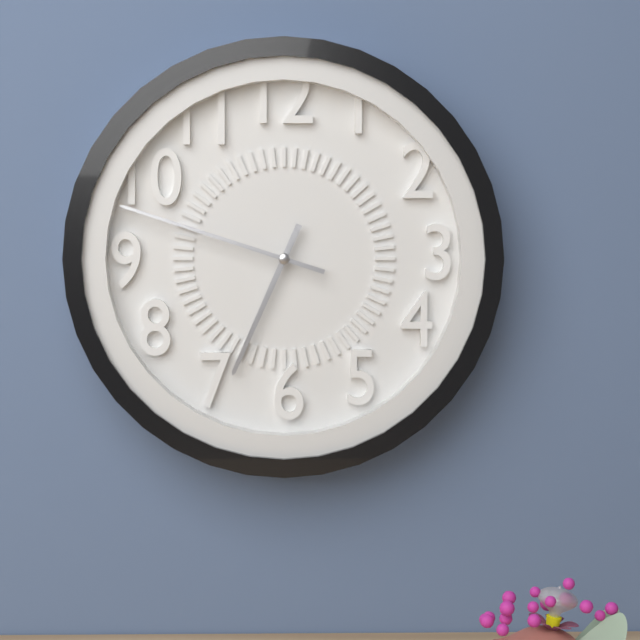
{"hour": 6, "minute": 48}
